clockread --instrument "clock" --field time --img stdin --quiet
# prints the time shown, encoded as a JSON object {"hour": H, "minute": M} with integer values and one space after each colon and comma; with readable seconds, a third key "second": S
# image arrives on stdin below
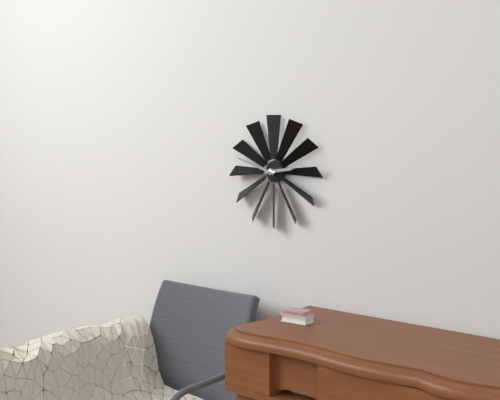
{"hour": 2, "minute": 48}
